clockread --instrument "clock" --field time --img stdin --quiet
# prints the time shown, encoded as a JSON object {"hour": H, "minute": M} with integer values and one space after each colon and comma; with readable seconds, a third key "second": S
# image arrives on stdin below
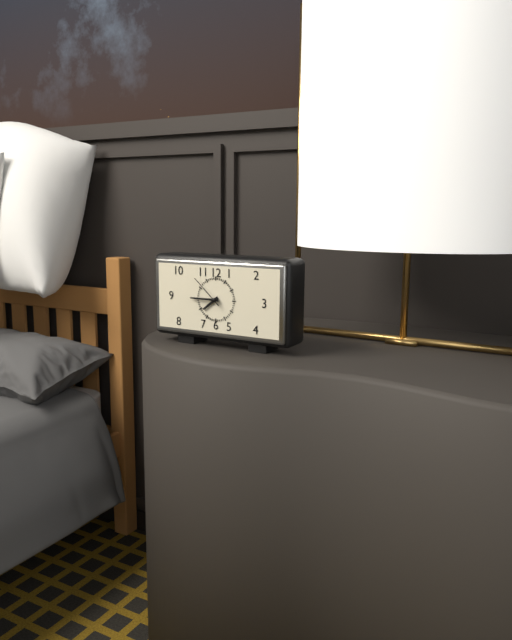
{"hour": 7, "minute": 45}
